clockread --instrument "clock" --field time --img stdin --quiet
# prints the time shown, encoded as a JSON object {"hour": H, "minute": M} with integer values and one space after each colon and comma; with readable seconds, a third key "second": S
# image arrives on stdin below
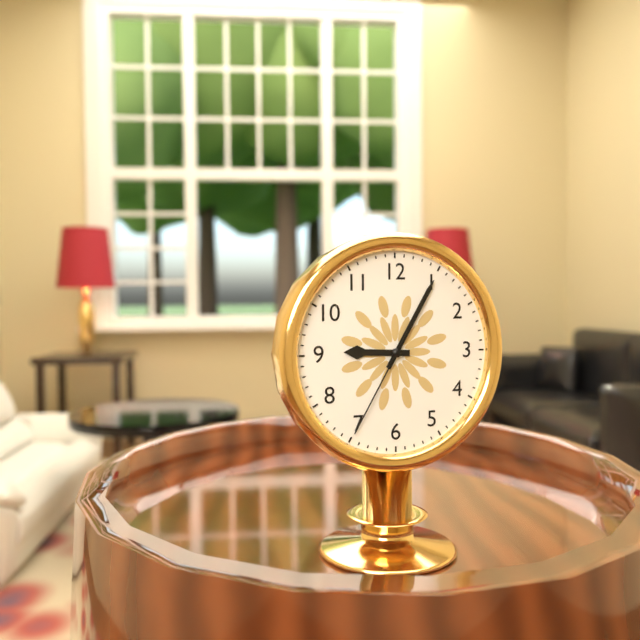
{"hour": 9, "minute": 5, "second": 35}
